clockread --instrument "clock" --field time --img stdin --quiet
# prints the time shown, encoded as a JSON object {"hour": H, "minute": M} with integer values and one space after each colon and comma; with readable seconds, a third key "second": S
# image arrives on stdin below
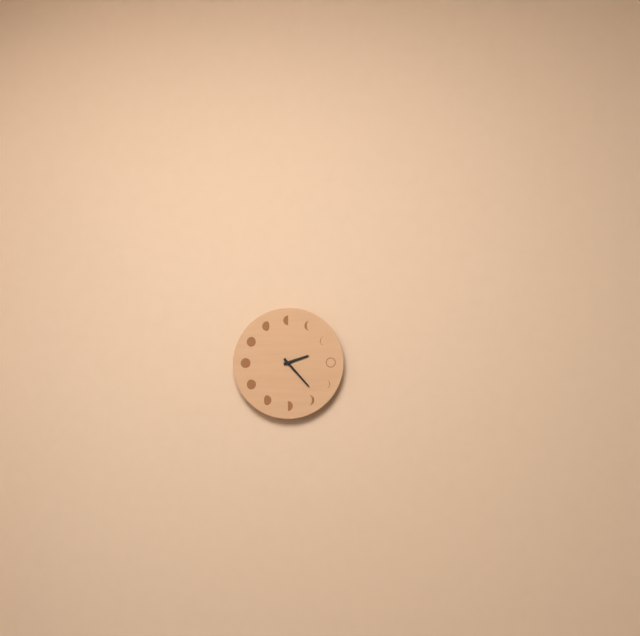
{"hour": 2, "minute": 23}
